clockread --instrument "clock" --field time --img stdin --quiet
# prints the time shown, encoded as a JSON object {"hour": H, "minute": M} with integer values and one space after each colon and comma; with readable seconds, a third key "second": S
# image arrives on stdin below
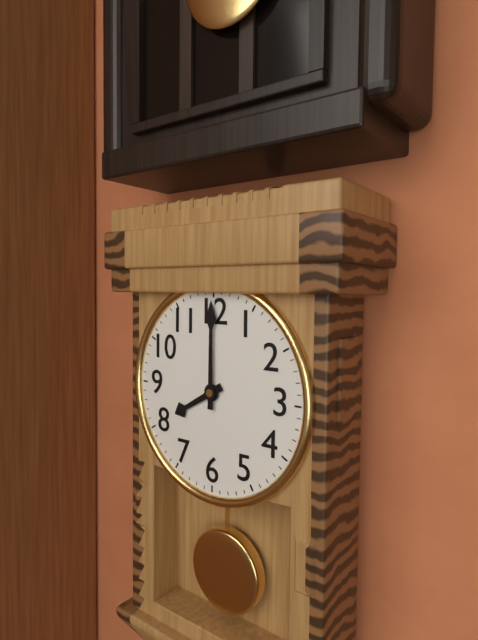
{"hour": 8, "minute": 0}
